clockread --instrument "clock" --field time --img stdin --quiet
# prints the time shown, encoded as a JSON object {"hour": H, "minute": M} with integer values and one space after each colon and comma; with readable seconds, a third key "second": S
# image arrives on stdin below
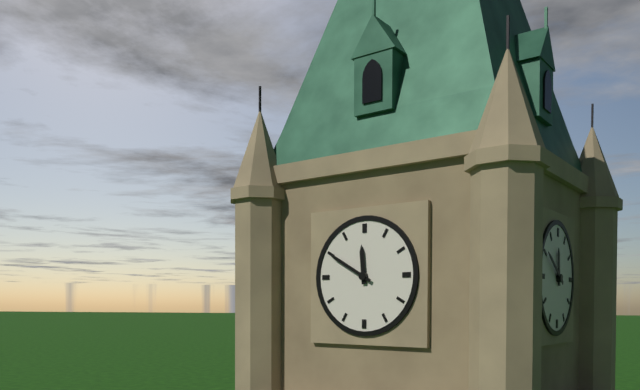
{"hour": 11, "minute": 50}
